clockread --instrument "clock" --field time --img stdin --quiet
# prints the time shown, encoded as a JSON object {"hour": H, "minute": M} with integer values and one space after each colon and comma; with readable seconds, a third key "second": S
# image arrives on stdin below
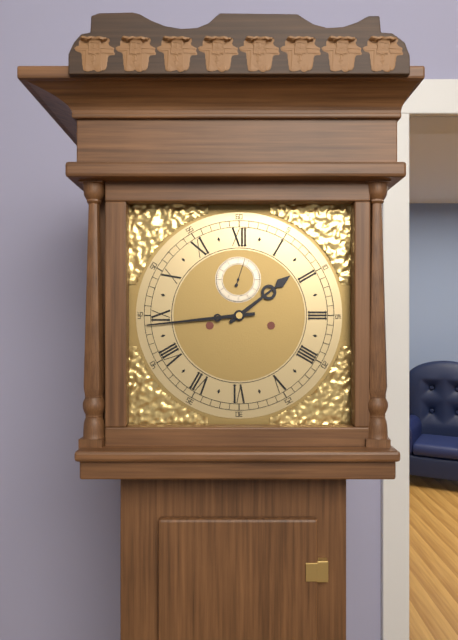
{"hour": 1, "minute": 44}
